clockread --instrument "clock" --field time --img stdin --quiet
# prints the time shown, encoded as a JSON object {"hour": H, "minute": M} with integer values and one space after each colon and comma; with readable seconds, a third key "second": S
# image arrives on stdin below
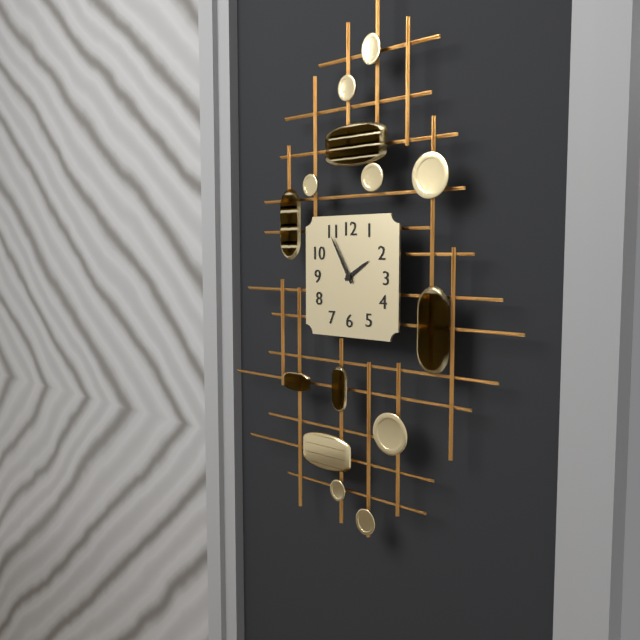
{"hour": 1, "minute": 55}
